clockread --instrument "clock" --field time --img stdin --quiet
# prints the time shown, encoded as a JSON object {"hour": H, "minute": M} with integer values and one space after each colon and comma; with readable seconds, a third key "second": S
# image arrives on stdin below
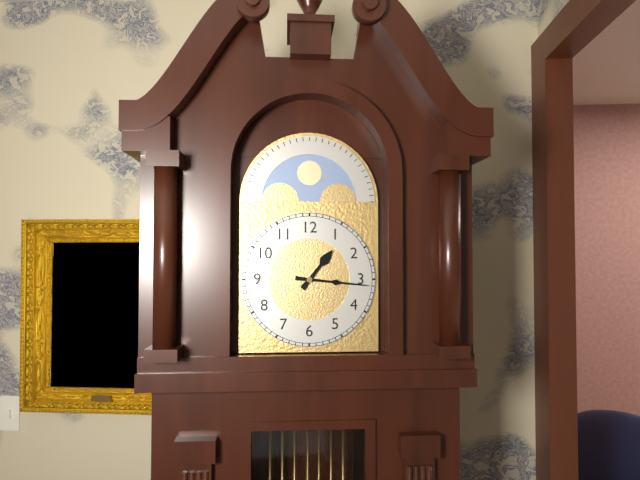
{"hour": 1, "minute": 16}
